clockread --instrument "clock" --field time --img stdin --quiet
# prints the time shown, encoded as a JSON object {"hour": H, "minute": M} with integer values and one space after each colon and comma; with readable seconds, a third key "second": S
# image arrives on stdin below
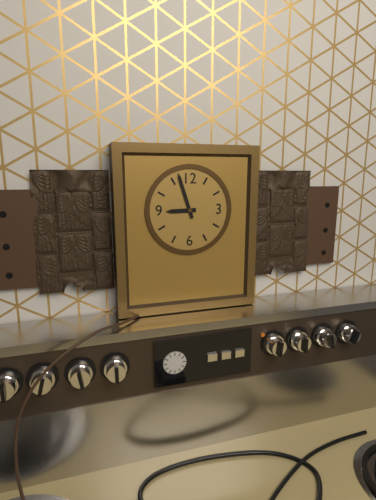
{"hour": 8, "minute": 57}
